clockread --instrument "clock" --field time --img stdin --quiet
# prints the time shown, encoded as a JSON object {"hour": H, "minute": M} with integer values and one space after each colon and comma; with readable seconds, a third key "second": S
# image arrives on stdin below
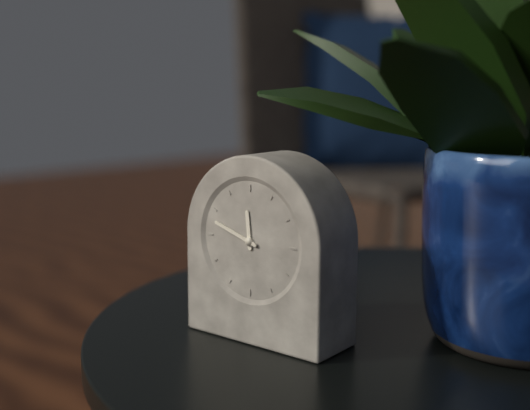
{"hour": 11, "minute": 48}
